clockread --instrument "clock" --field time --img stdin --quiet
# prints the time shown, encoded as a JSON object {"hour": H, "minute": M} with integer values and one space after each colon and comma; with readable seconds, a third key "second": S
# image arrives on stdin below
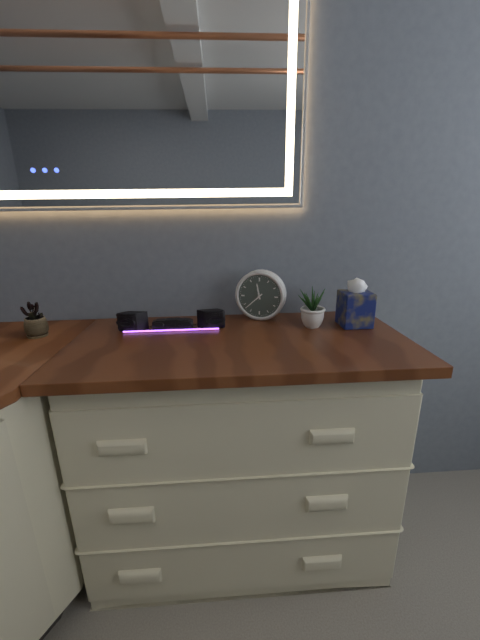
{"hour": 11, "minute": 38}
